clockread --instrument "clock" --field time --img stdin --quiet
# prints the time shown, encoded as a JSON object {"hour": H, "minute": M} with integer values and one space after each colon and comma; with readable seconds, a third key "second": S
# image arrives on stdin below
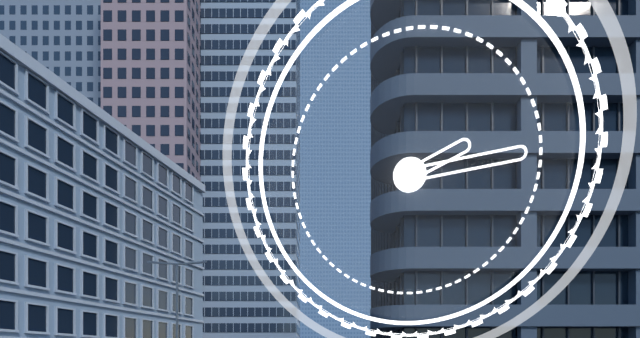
{"hour": 2, "minute": 14}
